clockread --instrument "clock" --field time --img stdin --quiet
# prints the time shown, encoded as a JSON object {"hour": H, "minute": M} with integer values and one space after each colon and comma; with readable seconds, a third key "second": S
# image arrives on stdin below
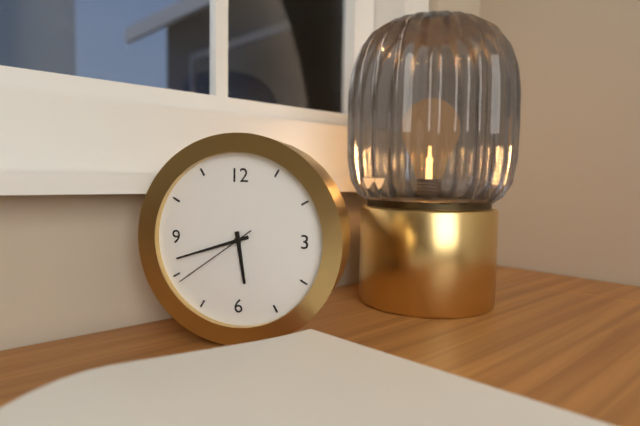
{"hour": 5, "minute": 42, "second": 39}
